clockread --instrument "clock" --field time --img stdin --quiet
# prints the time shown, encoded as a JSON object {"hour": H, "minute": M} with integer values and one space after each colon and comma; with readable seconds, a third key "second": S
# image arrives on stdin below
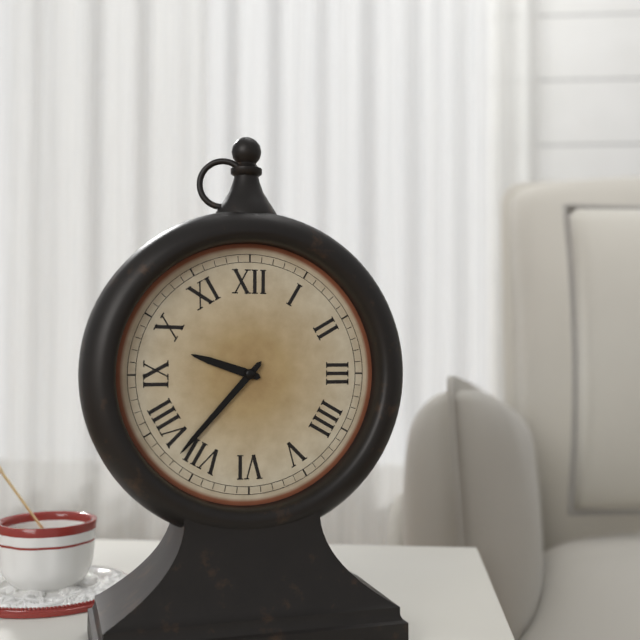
{"hour": 9, "minute": 37}
